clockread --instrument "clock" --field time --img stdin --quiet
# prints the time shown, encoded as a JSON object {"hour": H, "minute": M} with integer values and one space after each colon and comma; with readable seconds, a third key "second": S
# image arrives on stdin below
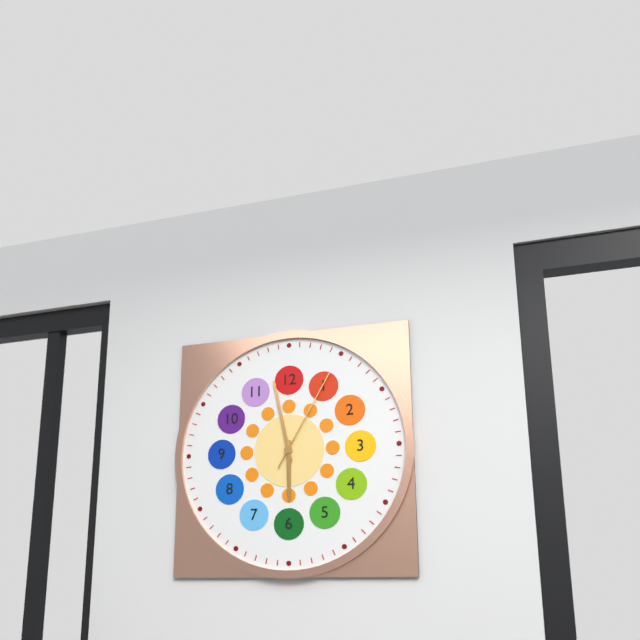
{"hour": 5, "minute": 58, "second": 5}
